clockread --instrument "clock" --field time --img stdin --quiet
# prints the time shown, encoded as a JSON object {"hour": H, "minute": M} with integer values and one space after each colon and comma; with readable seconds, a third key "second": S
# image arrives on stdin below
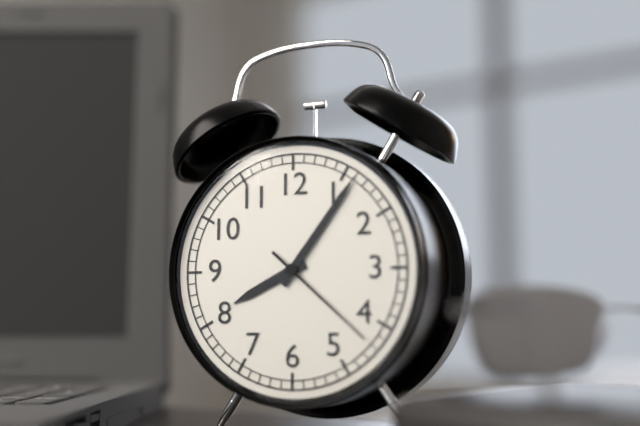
{"hour": 8, "minute": 6, "second": 22}
